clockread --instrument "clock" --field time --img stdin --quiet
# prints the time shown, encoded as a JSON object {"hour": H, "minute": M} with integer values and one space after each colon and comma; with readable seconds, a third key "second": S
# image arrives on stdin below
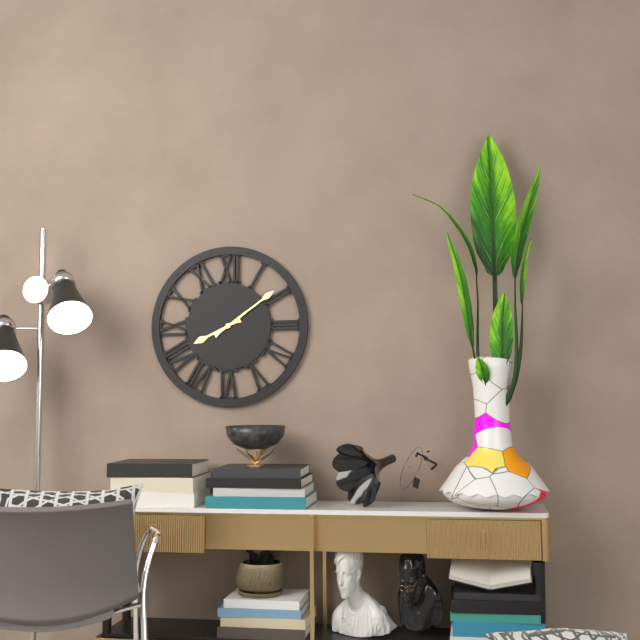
{"hour": 8, "minute": 9}
